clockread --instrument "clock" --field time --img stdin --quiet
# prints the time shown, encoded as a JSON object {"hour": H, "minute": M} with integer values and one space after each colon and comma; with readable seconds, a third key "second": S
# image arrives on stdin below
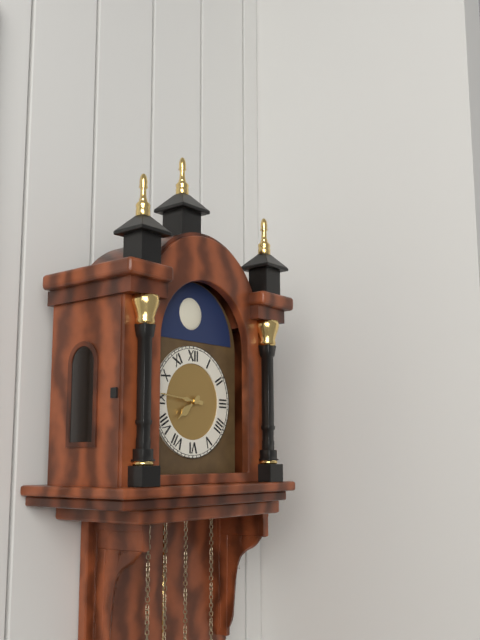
{"hour": 7, "minute": 46}
